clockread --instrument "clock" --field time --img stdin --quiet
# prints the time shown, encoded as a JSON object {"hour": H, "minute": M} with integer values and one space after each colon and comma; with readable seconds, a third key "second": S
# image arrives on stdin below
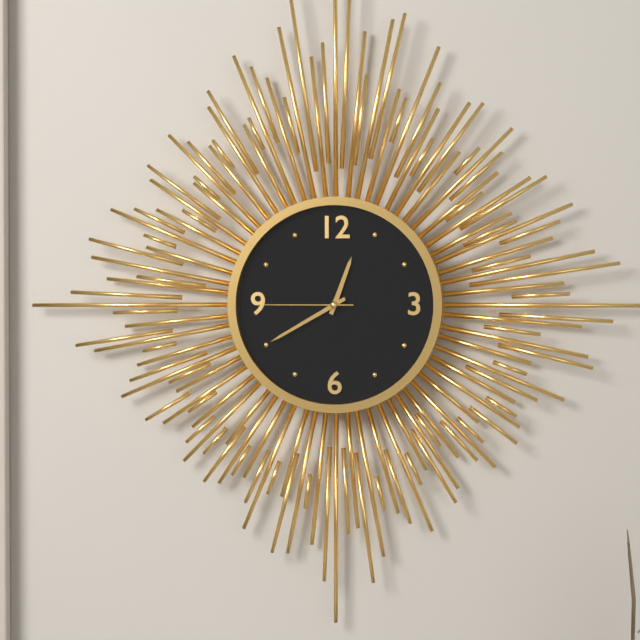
{"hour": 12, "minute": 40, "second": 45}
